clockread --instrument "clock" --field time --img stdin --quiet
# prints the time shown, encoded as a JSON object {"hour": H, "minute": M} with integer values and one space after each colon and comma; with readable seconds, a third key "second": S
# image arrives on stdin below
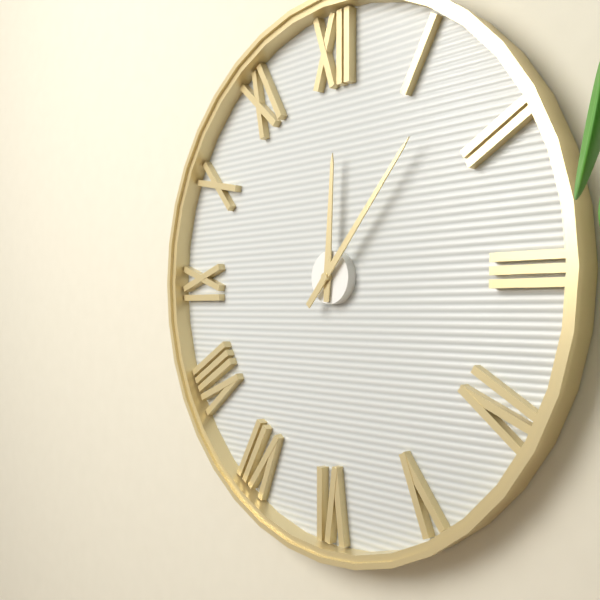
{"hour": 12, "minute": 7}
